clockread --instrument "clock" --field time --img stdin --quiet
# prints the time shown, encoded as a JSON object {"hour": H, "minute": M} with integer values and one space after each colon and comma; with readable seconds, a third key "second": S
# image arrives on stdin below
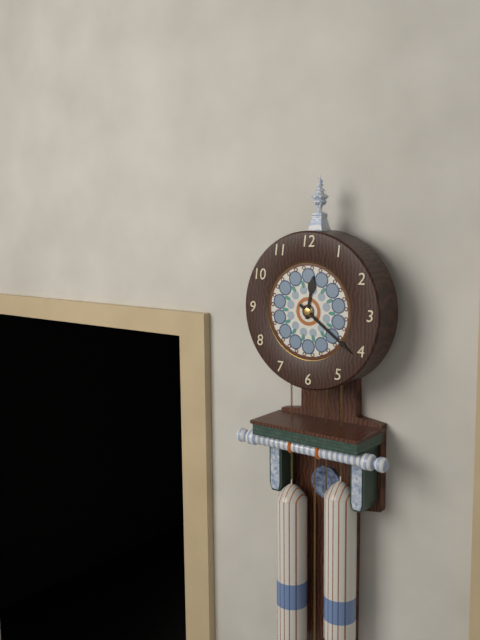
{"hour": 12, "minute": 21}
